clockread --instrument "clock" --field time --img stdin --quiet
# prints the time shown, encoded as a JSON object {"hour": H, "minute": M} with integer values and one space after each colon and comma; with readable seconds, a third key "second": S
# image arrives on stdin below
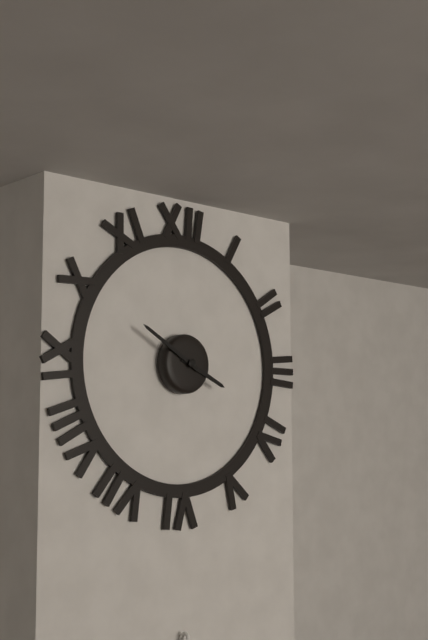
{"hour": 3, "minute": 50}
